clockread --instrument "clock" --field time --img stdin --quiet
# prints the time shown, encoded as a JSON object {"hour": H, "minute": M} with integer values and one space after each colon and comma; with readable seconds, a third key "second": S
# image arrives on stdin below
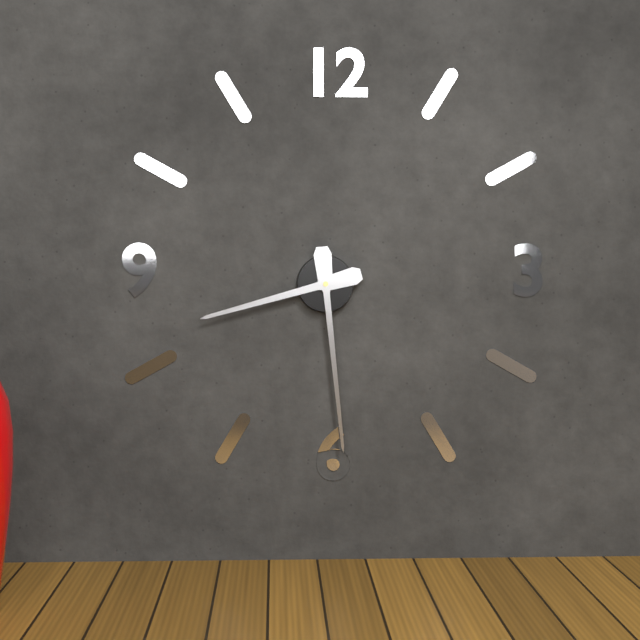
{"hour": 8, "minute": 29}
